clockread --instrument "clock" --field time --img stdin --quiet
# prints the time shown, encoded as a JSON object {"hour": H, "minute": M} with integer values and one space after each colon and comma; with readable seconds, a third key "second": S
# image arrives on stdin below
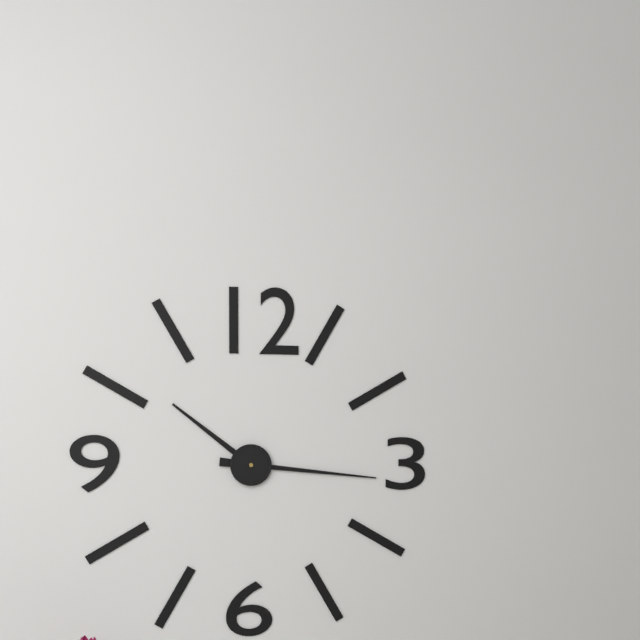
{"hour": 10, "minute": 16}
